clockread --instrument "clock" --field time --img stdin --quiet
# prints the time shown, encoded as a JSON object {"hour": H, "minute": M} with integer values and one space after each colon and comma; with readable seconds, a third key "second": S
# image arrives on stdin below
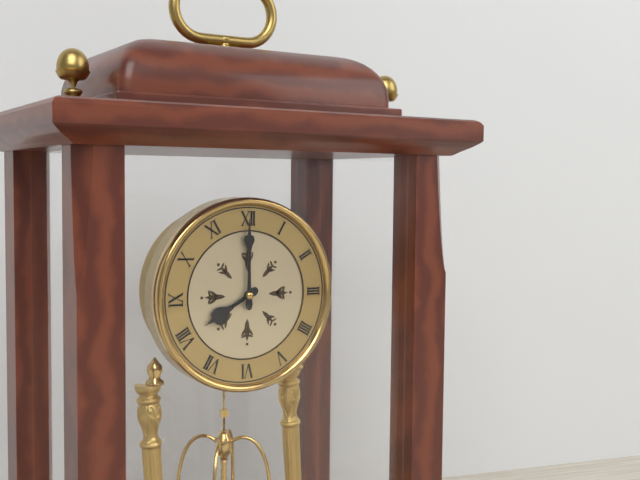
{"hour": 8, "minute": 0}
